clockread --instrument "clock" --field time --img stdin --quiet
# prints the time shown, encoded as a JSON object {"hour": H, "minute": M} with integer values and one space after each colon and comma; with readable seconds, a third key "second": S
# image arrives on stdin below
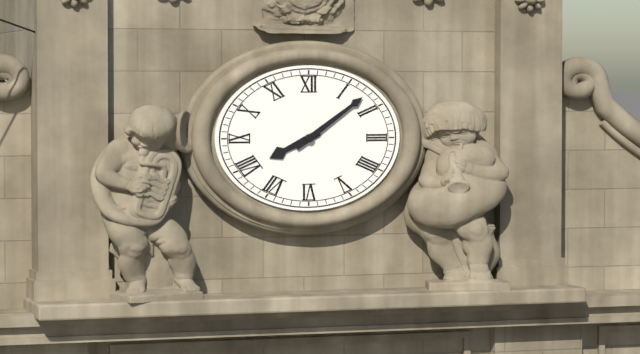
{"hour": 8, "minute": 9}
